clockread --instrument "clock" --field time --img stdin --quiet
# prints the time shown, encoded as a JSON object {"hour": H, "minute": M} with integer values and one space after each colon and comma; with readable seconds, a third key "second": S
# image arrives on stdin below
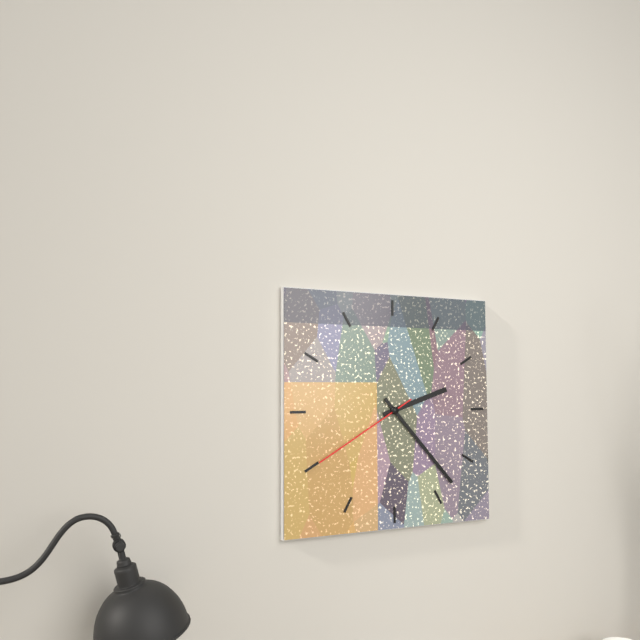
{"hour": 2, "minute": 23, "second": 40}
